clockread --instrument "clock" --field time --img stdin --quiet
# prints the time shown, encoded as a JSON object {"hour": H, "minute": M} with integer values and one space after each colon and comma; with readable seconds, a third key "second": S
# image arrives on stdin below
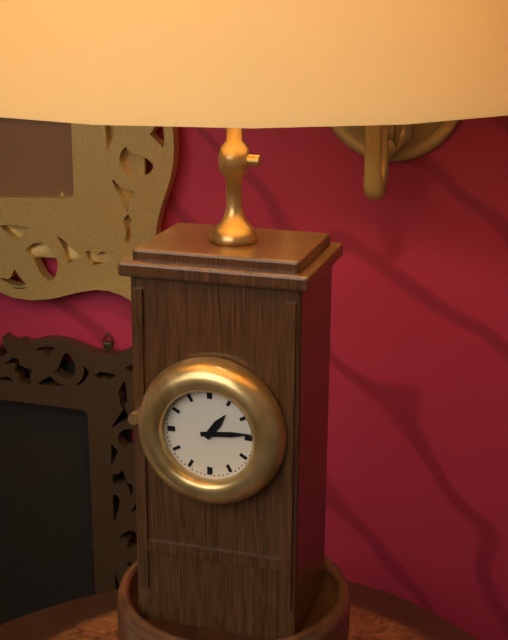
{"hour": 1, "minute": 14}
